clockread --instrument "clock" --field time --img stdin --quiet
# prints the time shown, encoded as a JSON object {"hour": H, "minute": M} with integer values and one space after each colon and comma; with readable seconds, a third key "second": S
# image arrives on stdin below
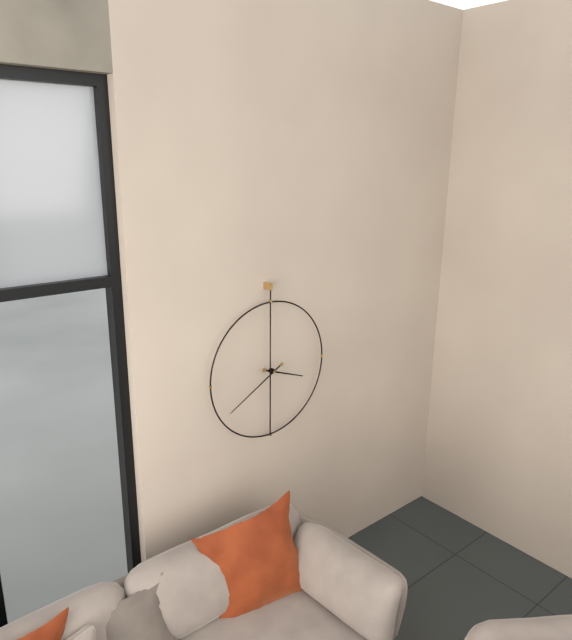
{"hour": 3, "minute": 40}
